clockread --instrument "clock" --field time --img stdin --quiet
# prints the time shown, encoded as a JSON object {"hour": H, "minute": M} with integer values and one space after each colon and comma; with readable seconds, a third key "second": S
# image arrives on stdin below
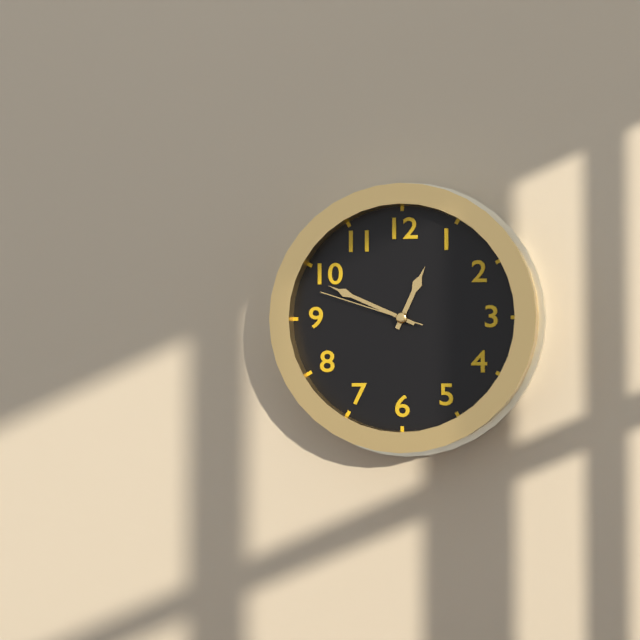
{"hour": 12, "minute": 49, "second": 48}
